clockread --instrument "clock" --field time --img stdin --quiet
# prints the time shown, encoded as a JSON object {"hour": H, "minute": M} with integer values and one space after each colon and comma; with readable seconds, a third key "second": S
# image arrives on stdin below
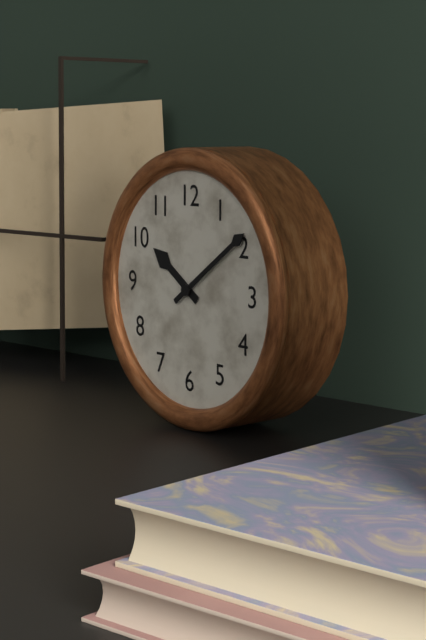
{"hour": 10, "minute": 9}
